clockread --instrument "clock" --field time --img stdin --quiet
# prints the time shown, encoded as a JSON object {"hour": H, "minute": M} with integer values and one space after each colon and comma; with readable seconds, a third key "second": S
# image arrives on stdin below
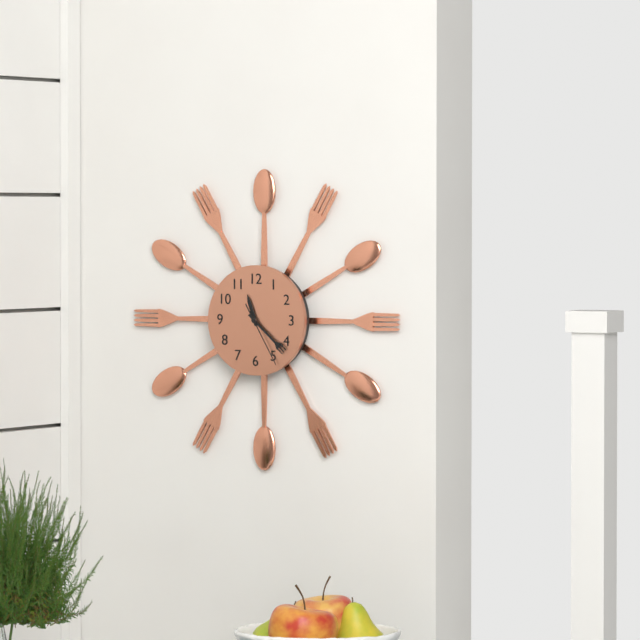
{"hour": 11, "minute": 22, "second": 25}
